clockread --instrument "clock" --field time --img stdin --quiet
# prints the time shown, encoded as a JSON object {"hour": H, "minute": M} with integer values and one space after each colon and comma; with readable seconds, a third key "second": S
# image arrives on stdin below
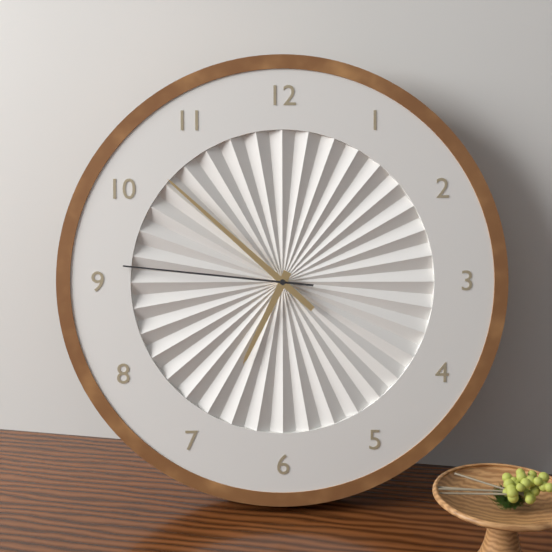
{"hour": 6, "minute": 52, "second": 46}
